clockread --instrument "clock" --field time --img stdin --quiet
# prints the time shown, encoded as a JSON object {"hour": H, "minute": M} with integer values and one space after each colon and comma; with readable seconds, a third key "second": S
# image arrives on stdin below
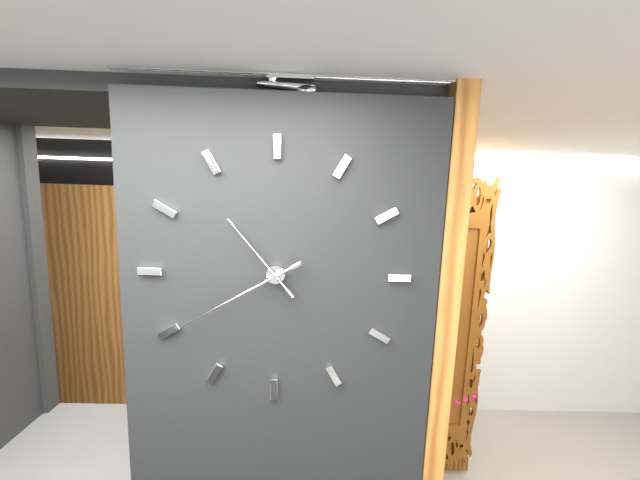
{"hour": 10, "minute": 40}
